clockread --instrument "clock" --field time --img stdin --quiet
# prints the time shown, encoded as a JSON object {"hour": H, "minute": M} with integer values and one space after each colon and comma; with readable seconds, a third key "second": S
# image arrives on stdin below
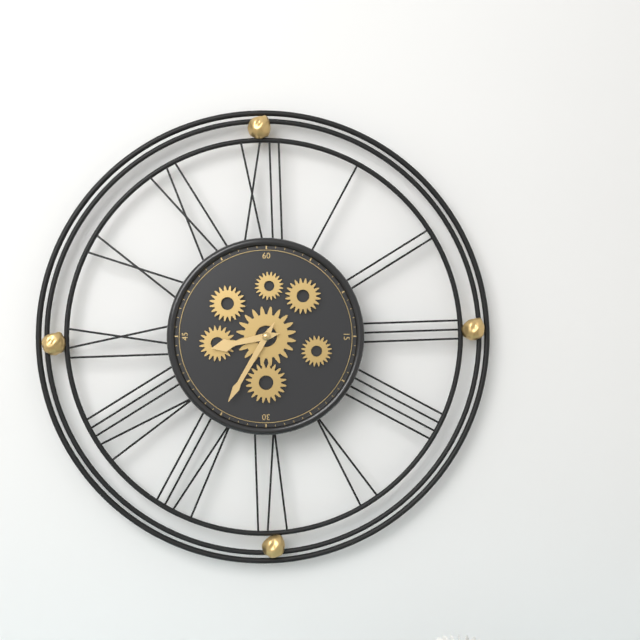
{"hour": 8, "minute": 35}
